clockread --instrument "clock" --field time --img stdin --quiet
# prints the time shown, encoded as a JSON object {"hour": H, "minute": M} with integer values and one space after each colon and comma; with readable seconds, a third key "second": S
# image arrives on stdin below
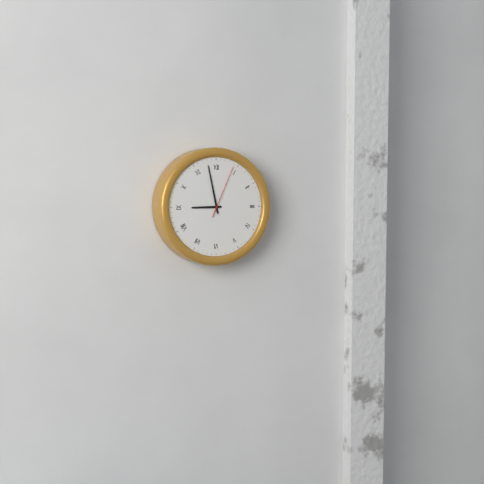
{"hour": 8, "minute": 58, "second": 4}
